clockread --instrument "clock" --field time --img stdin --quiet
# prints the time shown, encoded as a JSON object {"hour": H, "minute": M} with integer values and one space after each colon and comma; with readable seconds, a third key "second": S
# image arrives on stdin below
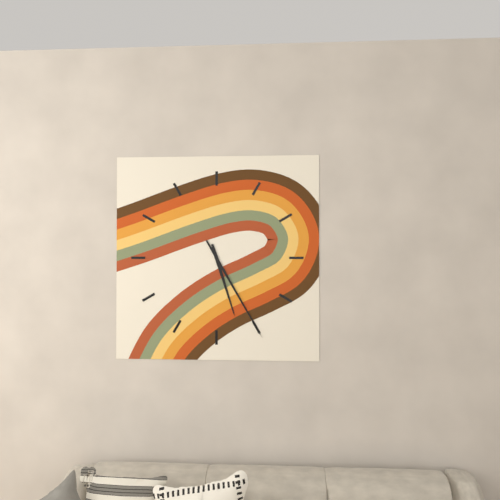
{"hour": 5, "minute": 25}
